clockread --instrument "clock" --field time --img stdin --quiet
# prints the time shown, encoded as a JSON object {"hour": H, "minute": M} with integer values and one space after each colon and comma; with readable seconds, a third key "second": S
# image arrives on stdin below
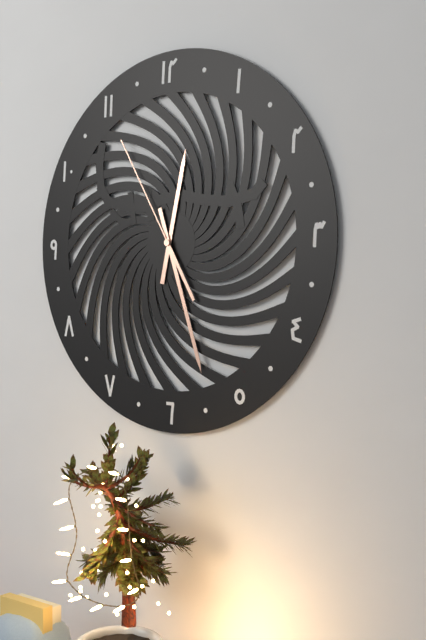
{"hour": 12, "minute": 27, "second": 55}
